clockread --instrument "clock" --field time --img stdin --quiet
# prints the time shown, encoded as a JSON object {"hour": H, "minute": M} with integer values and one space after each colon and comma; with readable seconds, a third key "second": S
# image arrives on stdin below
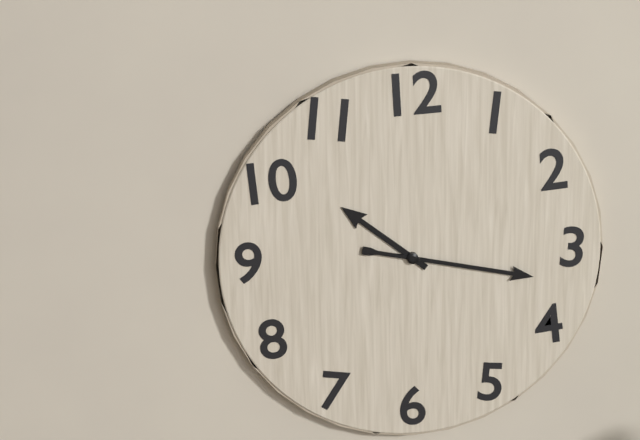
{"hour": 10, "minute": 17}
